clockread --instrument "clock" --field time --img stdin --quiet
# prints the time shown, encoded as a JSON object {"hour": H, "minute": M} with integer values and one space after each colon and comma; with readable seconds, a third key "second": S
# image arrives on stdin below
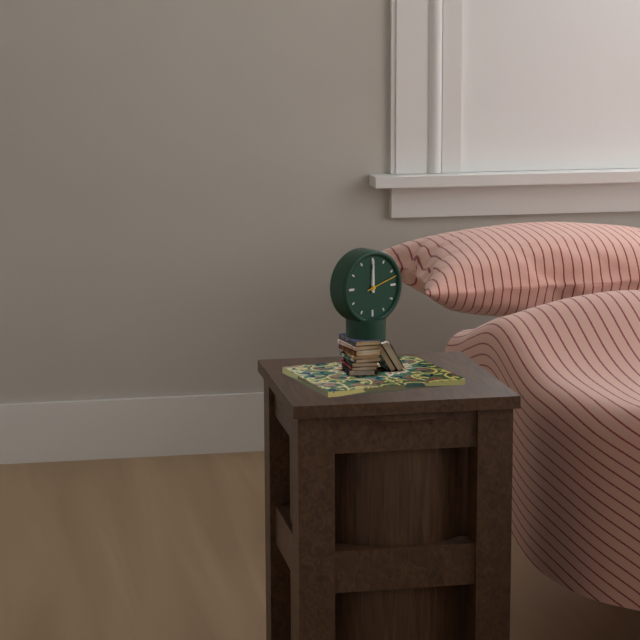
{"hour": 12, "minute": 0}
